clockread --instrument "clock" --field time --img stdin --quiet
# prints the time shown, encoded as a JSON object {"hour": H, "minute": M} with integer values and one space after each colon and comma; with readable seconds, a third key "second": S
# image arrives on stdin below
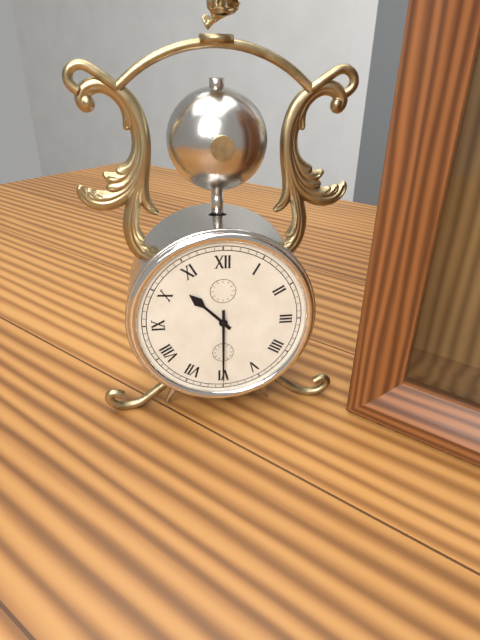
{"hour": 10, "minute": 30}
